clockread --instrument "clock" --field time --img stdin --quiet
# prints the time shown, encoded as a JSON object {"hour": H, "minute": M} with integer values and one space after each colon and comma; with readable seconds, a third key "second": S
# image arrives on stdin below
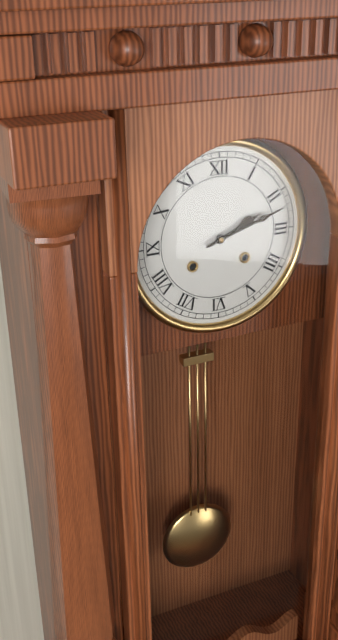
{"hour": 2, "minute": 12}
